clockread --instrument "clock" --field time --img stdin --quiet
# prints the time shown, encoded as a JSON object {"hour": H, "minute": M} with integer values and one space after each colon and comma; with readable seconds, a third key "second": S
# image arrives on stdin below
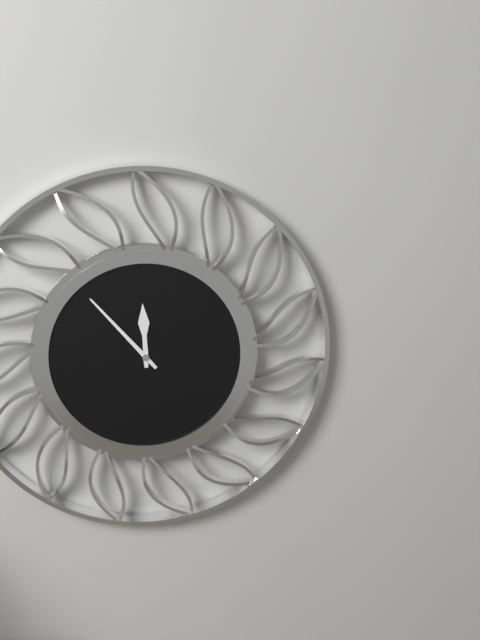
{"hour": 11, "minute": 53}
